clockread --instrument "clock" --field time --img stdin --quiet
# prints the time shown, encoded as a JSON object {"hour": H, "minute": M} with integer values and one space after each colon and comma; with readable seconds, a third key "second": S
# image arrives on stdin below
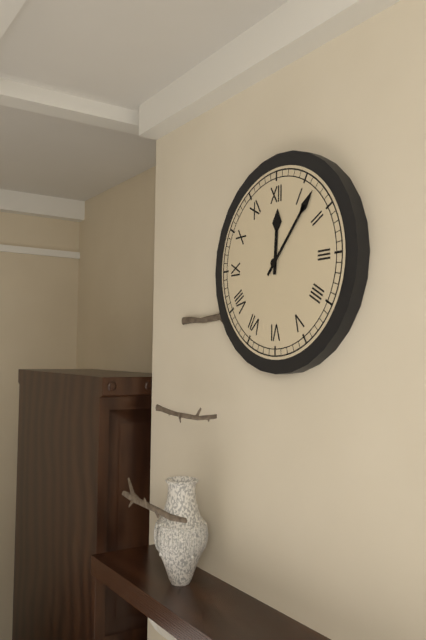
{"hour": 12, "minute": 7}
